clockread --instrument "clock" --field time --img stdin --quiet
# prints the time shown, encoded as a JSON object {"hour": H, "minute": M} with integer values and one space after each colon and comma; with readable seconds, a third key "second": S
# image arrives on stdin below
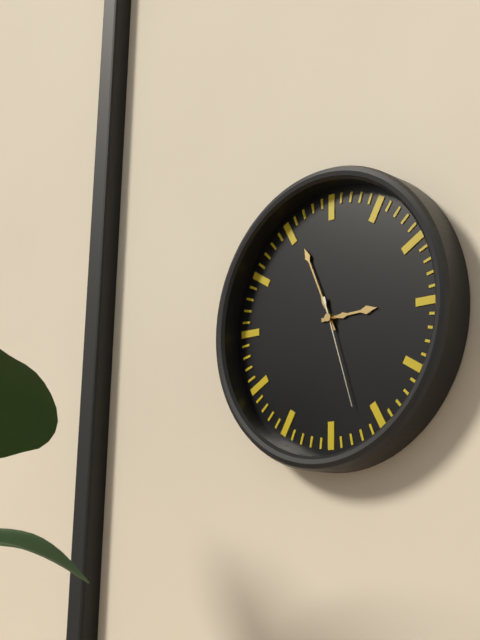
{"hour": 2, "minute": 56, "second": 27}
